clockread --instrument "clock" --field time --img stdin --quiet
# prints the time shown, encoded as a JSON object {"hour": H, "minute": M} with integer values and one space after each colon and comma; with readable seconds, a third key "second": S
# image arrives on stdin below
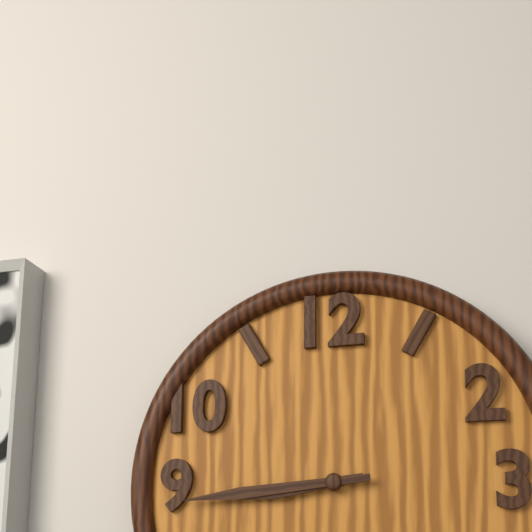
{"hour": 8, "minute": 44}
